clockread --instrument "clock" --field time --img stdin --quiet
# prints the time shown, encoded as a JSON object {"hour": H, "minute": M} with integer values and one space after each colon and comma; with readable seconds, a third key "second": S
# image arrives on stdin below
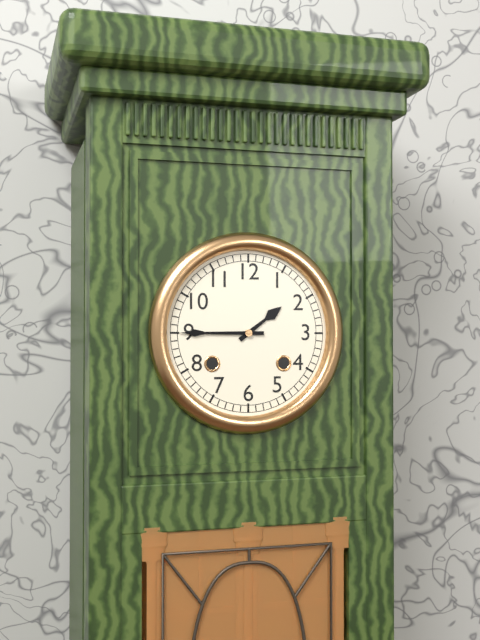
{"hour": 1, "minute": 45}
